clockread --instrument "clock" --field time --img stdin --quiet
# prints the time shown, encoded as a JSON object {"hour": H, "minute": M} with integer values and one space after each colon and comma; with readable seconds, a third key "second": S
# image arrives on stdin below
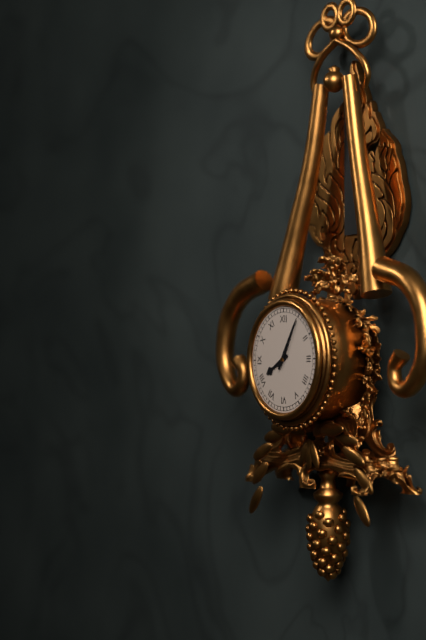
{"hour": 8, "minute": 5}
